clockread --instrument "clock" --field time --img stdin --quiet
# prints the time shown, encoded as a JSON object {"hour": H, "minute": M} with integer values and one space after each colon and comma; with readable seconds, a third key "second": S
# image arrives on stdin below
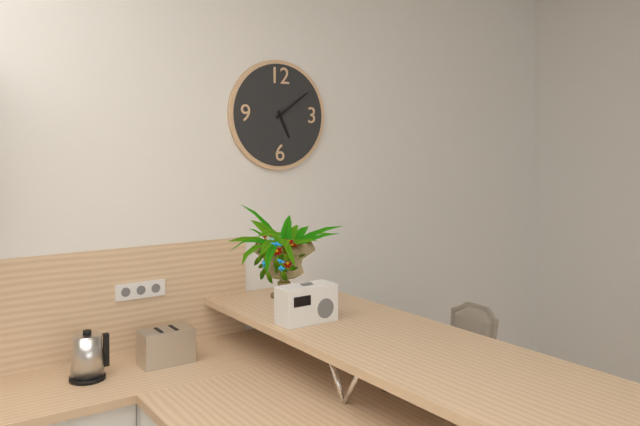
{"hour": 5, "minute": 9}
